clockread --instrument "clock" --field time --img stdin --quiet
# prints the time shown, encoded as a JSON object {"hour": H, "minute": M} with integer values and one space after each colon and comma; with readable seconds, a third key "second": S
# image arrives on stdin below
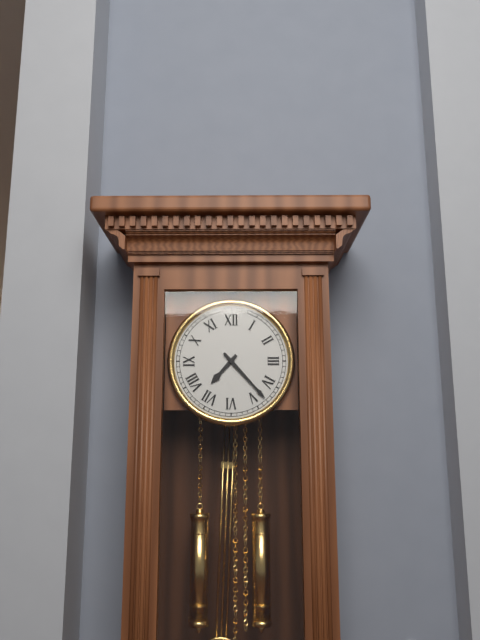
{"hour": 7, "minute": 23}
